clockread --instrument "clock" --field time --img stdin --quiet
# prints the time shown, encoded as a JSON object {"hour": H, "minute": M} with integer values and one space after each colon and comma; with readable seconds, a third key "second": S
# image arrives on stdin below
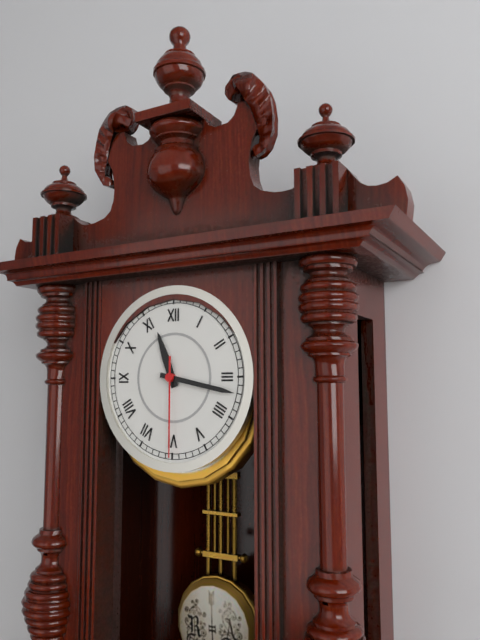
{"hour": 11, "minute": 17, "second": 30}
